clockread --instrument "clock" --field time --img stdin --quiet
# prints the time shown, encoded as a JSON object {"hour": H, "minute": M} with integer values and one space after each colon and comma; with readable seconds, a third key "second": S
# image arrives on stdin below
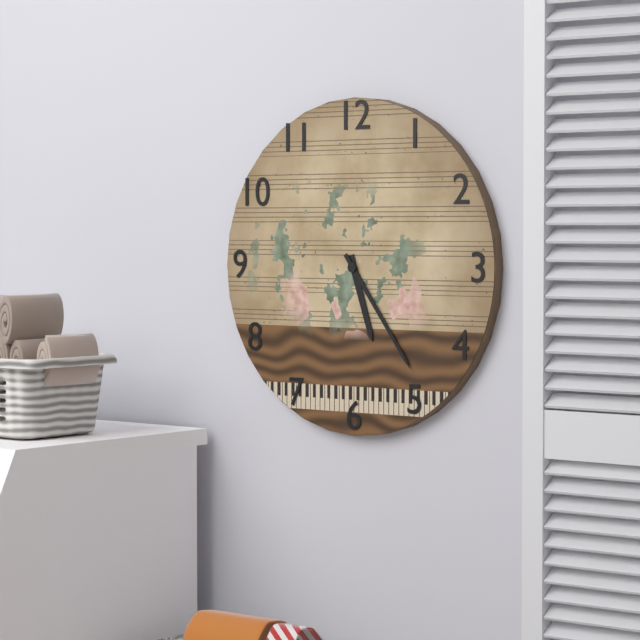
{"hour": 5, "minute": 24}
